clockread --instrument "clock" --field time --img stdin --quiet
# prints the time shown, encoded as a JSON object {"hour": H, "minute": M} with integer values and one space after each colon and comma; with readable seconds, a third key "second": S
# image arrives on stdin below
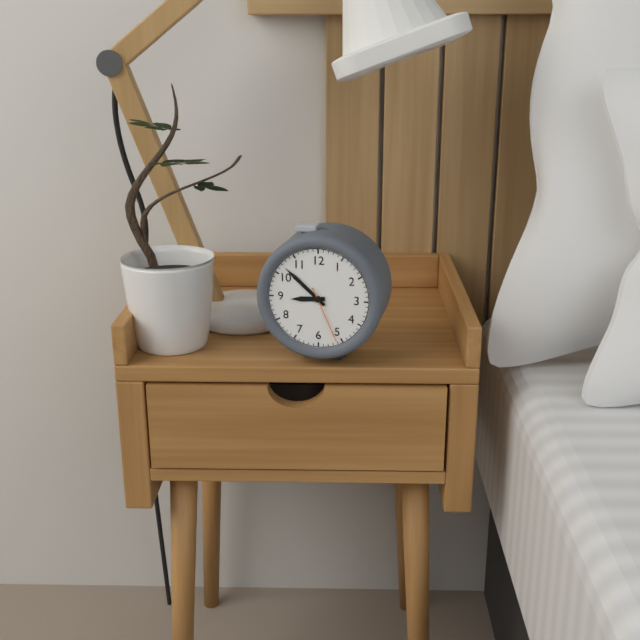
{"hour": 8, "minute": 52, "second": 26}
